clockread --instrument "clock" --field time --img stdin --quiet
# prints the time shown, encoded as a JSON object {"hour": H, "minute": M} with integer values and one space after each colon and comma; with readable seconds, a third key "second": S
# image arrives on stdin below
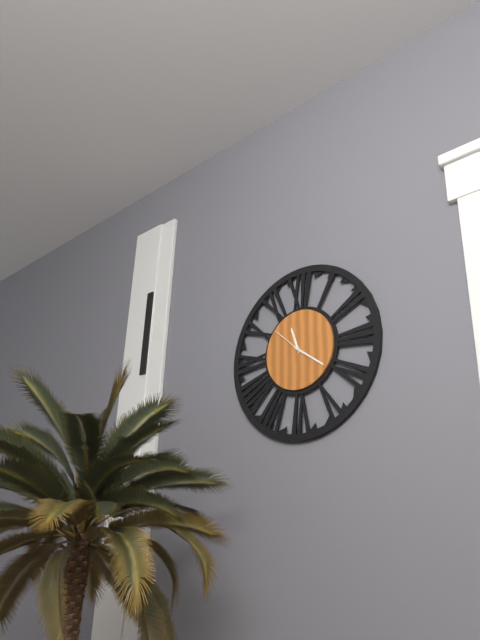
{"hour": 11, "minute": 21}
